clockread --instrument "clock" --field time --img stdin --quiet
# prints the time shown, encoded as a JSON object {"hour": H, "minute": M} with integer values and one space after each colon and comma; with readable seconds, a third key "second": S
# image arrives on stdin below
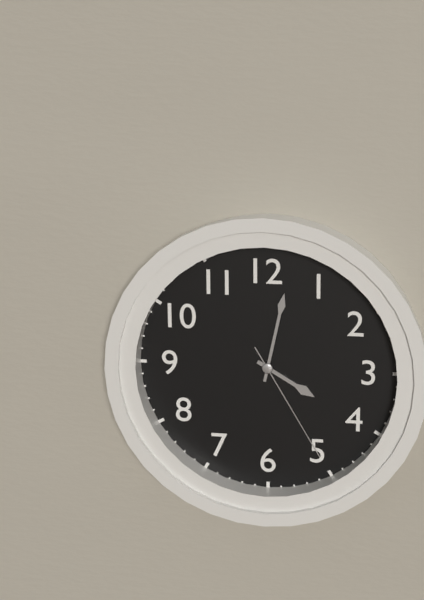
{"hour": 4, "minute": 2, "second": 25}
